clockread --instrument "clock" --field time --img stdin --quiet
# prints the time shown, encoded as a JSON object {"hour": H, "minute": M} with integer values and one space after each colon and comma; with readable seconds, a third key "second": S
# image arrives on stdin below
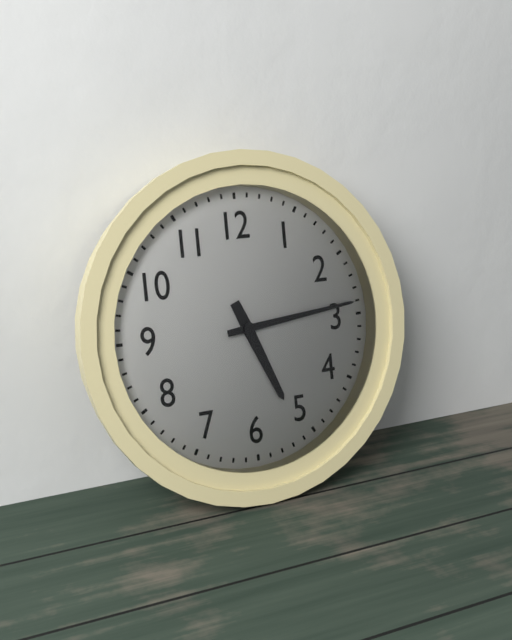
{"hour": 5, "minute": 14}
